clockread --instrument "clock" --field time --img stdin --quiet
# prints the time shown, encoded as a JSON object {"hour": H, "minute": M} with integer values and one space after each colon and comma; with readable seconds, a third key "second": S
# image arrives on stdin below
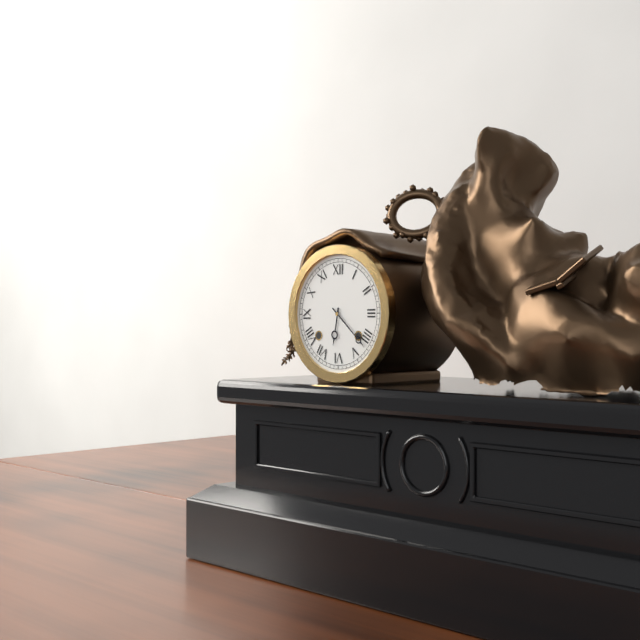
{"hour": 6, "minute": 22}
